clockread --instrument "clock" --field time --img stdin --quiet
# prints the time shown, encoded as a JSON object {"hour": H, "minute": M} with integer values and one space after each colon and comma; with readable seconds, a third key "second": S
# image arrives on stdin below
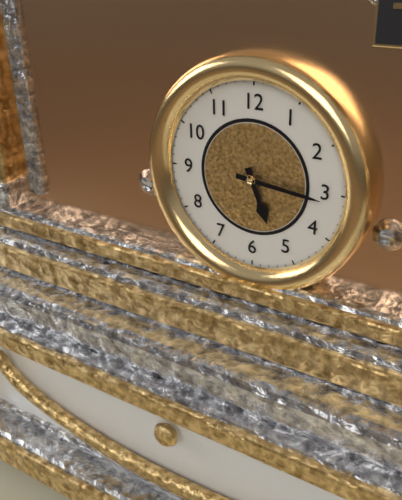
{"hour": 5, "minute": 16}
